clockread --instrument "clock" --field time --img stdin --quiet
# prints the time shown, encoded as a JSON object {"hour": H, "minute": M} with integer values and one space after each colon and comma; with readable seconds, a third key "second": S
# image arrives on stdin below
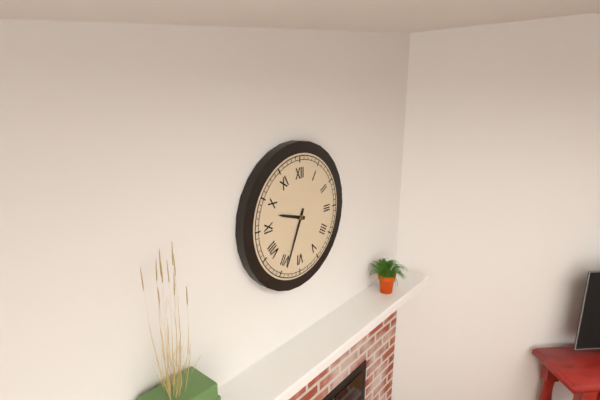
{"hour": 9, "minute": 34}
